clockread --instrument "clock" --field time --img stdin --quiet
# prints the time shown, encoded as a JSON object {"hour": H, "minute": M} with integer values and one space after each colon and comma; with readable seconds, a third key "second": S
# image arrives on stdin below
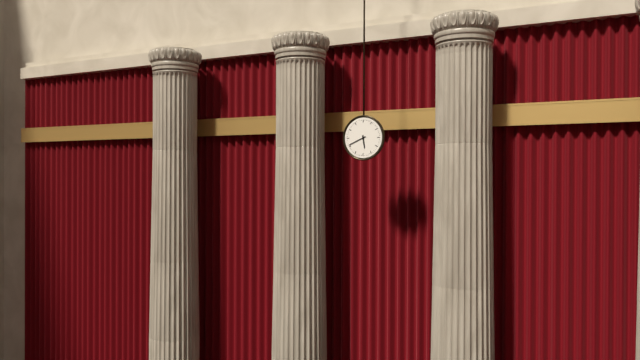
{"hour": 5, "minute": 41}
